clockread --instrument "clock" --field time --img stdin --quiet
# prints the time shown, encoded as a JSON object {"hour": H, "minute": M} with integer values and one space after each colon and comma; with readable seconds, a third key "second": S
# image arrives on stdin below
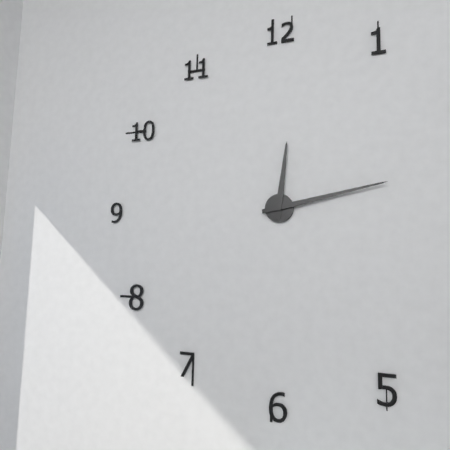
{"hour": 12, "minute": 13}
